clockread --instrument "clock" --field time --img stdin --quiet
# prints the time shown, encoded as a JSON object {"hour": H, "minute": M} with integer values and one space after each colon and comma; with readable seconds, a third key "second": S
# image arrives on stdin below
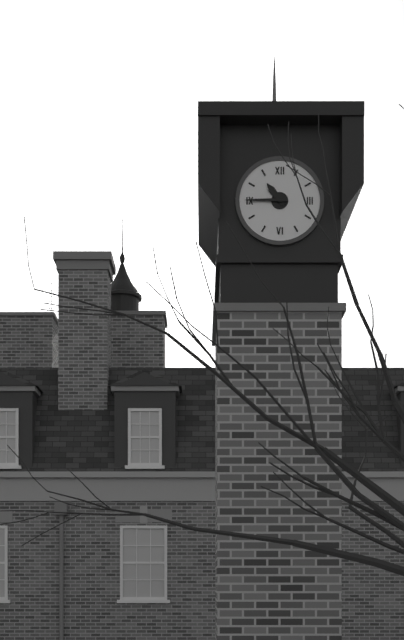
{"hour": 10, "minute": 45}
